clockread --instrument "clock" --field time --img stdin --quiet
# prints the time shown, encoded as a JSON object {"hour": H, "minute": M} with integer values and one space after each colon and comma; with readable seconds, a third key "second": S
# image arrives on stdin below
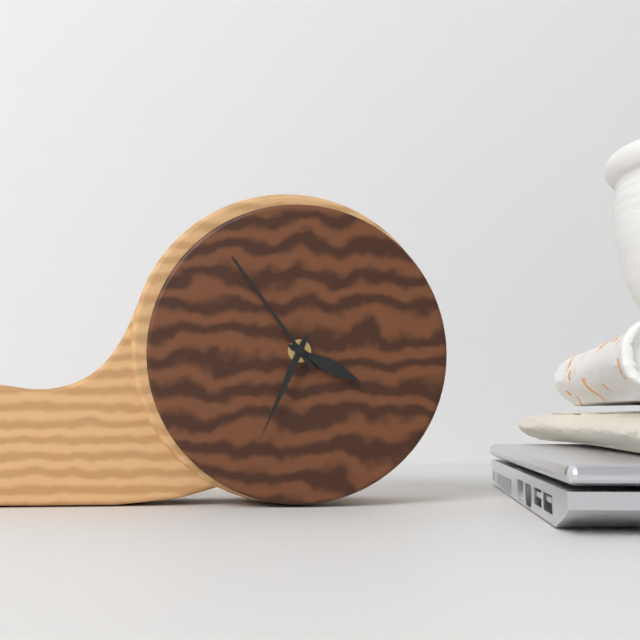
{"hour": 3, "minute": 54, "second": 34}
